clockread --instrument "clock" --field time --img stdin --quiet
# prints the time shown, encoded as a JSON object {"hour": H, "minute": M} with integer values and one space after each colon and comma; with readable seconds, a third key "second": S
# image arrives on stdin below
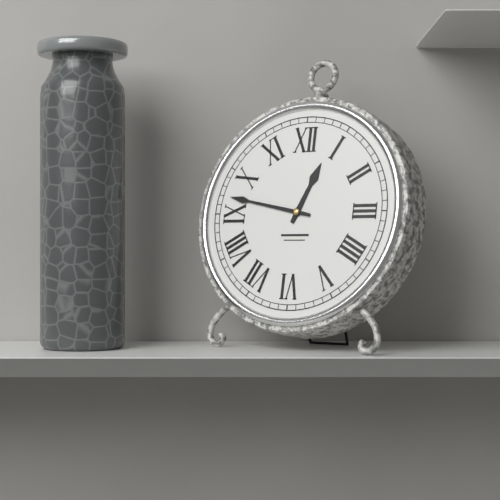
{"hour": 12, "minute": 47}
